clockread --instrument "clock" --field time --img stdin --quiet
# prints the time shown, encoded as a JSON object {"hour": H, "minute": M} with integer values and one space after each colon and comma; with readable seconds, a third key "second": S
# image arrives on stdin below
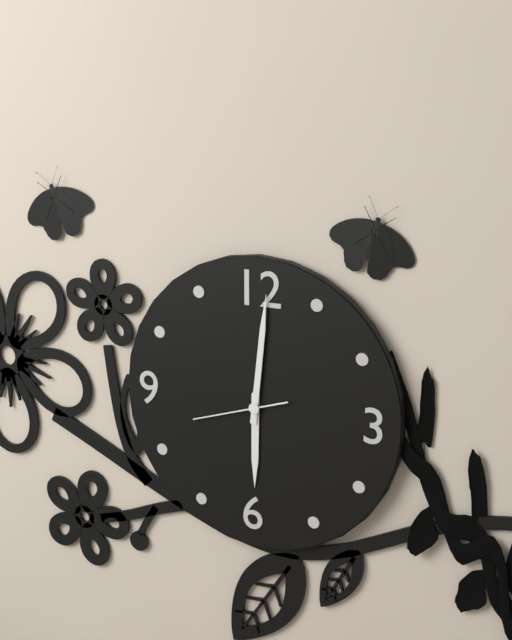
{"hour": 6, "minute": 1, "second": 42}
